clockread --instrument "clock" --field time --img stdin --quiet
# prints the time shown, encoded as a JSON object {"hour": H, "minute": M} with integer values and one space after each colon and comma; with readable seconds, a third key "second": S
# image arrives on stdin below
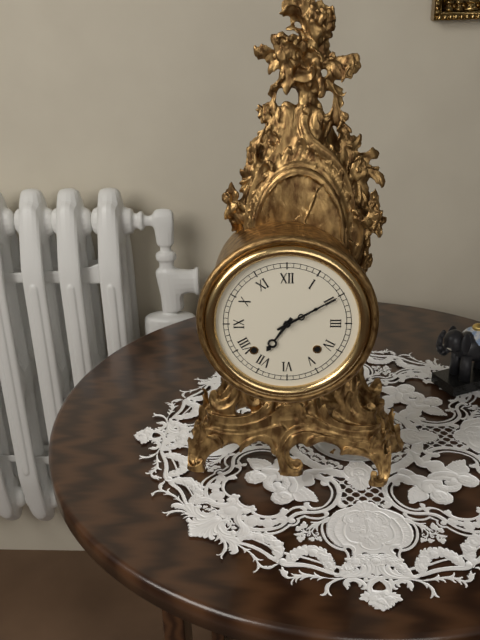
{"hour": 7, "minute": 10}
